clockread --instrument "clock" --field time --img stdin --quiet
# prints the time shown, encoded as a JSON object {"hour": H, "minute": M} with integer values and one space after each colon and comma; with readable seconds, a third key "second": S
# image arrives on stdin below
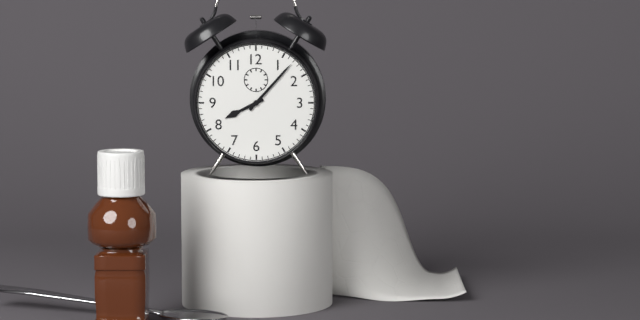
{"hour": 8, "minute": 7}
